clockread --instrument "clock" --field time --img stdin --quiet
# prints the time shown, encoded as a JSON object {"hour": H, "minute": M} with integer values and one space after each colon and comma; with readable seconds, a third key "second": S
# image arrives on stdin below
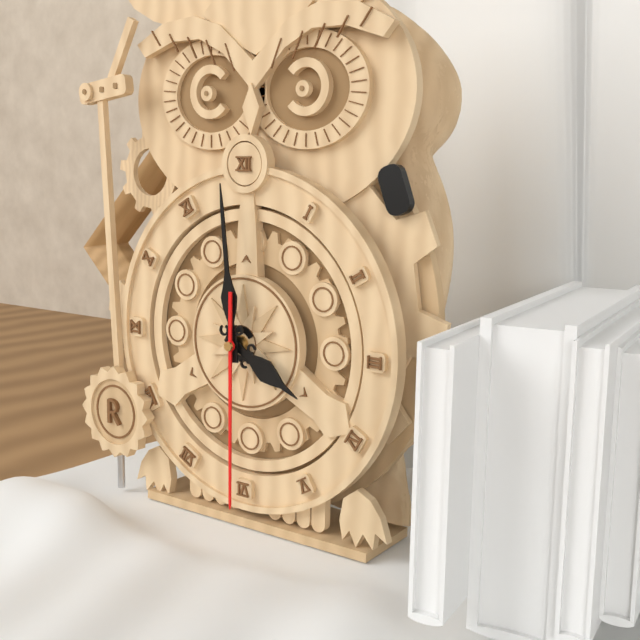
{"hour": 3, "minute": 59, "second": 30}
